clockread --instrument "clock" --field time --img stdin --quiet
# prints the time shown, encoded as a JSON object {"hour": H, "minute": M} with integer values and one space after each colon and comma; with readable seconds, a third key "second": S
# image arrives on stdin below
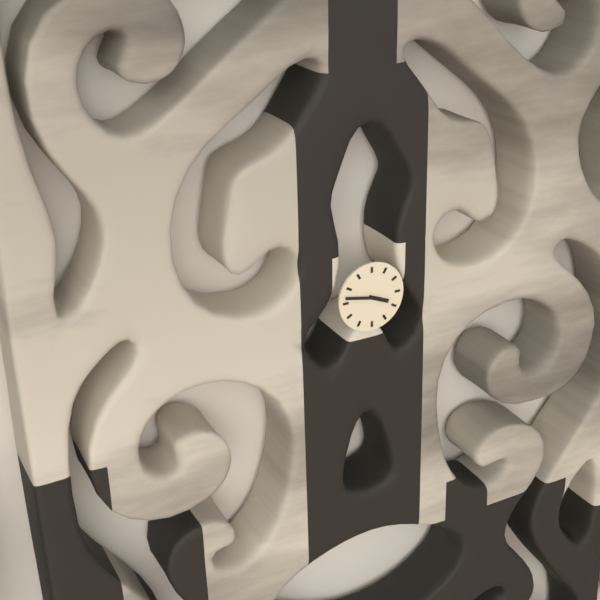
{"hour": 3, "minute": 47}
